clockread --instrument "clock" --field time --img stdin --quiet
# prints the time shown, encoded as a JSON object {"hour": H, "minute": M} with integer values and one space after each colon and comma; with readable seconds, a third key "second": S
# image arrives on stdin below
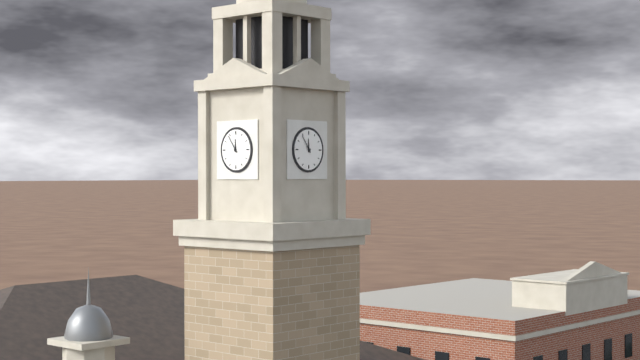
{"hour": 11, "minute": 54}
